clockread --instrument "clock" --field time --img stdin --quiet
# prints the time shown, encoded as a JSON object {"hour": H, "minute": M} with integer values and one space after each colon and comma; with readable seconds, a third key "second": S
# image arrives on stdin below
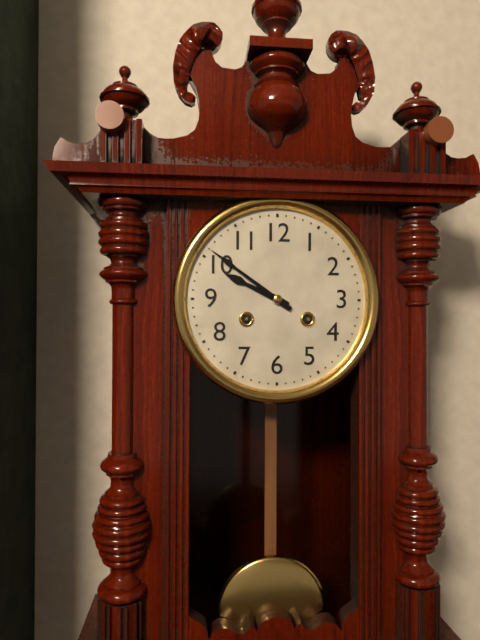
{"hour": 9, "minute": 51}
